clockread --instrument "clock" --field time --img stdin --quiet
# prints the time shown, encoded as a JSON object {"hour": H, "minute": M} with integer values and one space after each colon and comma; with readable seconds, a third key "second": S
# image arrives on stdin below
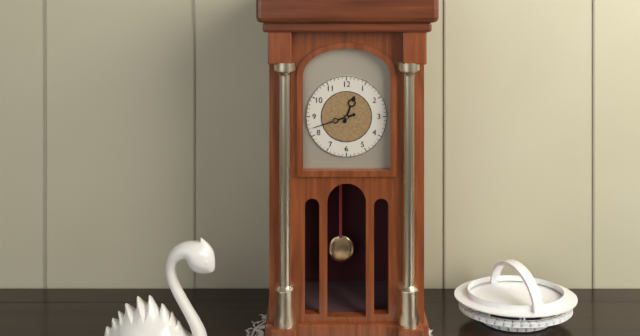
{"hour": 12, "minute": 42}
